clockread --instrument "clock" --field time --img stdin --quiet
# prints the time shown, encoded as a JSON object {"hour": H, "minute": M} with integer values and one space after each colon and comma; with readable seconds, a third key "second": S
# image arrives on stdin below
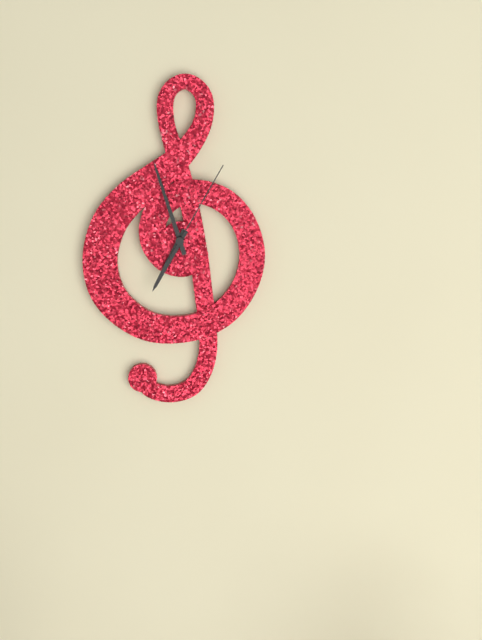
{"hour": 6, "minute": 57, "second": 5}
